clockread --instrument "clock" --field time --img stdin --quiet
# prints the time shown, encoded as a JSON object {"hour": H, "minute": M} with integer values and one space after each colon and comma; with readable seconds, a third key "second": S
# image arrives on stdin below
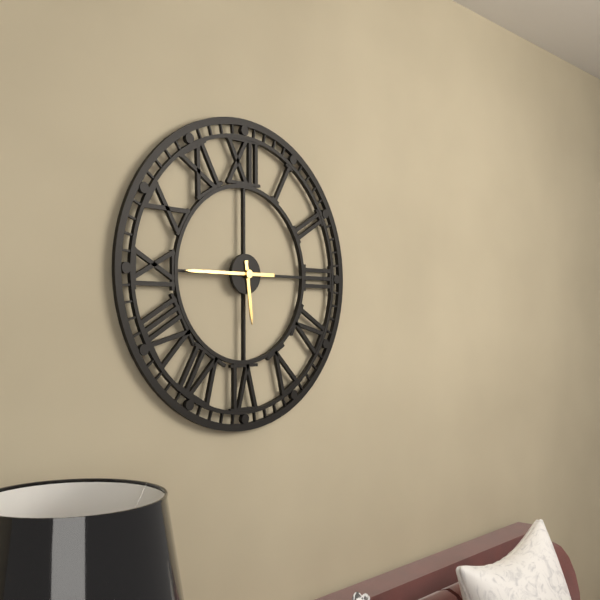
{"hour": 5, "minute": 45}
